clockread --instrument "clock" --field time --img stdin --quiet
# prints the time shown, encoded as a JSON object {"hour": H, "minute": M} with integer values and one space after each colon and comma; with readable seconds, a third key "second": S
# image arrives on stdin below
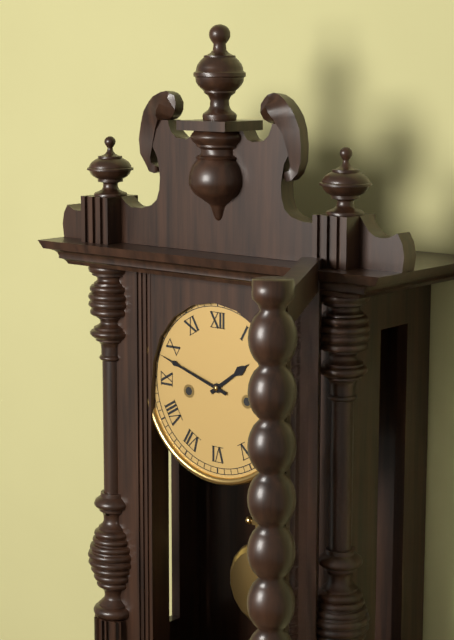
{"hour": 1, "minute": 48}
